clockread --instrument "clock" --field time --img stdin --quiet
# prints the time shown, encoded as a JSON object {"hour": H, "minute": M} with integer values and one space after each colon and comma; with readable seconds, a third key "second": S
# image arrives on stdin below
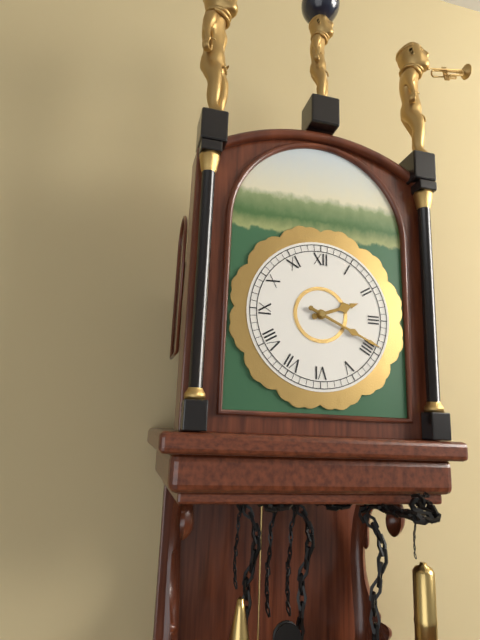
{"hour": 2, "minute": 19}
